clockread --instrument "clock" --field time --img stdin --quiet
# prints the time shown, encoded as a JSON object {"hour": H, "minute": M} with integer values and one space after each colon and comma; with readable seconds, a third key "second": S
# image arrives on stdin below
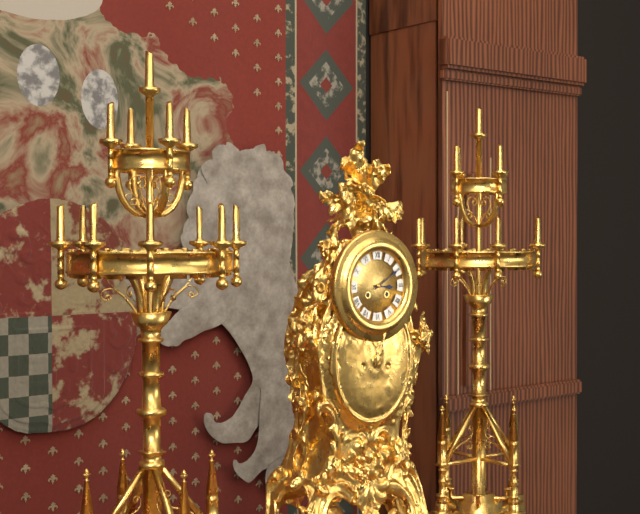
{"hour": 3, "minute": 10}
